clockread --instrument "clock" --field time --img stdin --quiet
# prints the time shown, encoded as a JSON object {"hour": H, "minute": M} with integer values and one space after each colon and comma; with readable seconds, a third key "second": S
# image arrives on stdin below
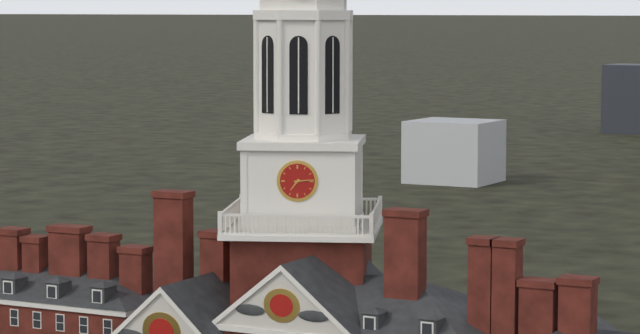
{"hour": 7, "minute": 14}
